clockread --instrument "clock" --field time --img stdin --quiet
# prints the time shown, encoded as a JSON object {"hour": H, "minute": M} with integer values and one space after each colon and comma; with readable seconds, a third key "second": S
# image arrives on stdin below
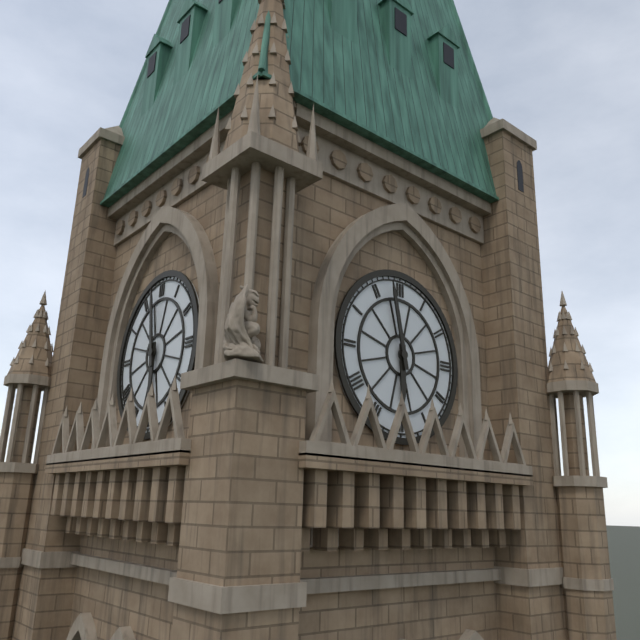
{"hour": 5, "minute": 58}
